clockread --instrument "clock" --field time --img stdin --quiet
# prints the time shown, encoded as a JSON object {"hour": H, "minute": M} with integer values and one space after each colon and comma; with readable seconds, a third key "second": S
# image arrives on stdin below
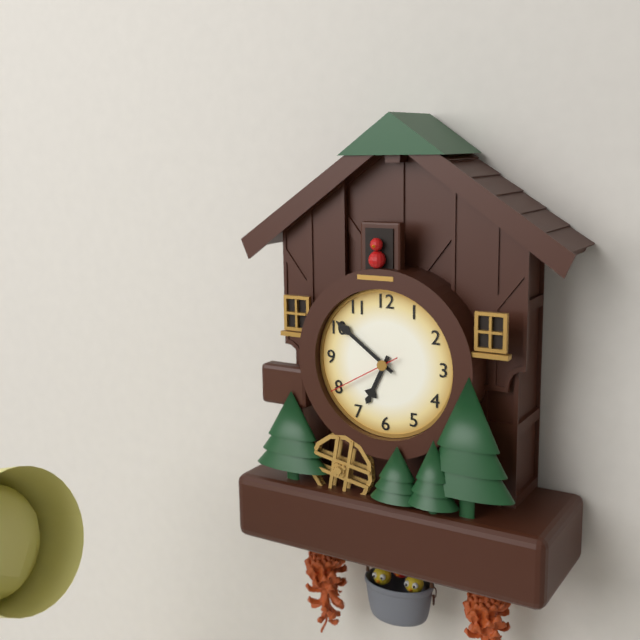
{"hour": 6, "minute": 51, "second": 40}
